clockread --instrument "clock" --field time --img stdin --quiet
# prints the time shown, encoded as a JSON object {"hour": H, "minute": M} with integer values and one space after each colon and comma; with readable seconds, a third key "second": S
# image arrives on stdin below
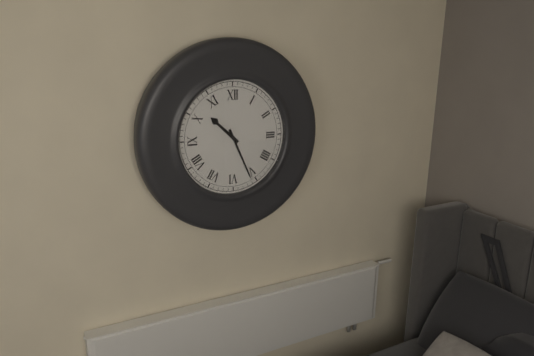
{"hour": 10, "minute": 26}
